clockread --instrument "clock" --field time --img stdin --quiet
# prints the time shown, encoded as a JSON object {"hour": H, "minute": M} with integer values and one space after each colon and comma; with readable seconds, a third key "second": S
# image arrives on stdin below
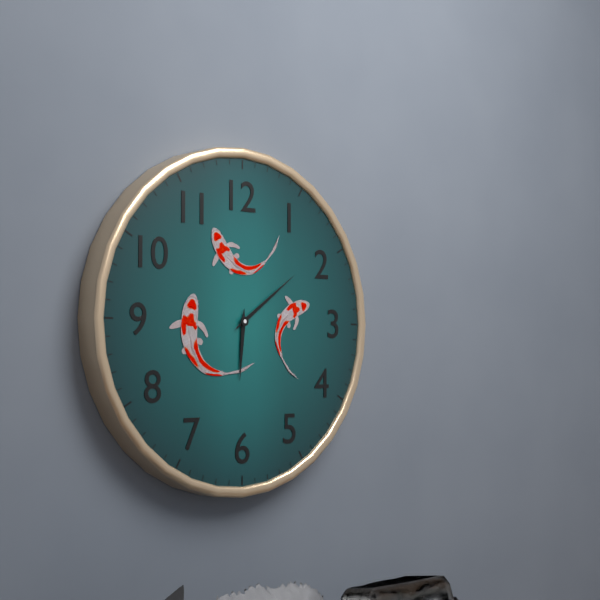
{"hour": 6, "minute": 9}
